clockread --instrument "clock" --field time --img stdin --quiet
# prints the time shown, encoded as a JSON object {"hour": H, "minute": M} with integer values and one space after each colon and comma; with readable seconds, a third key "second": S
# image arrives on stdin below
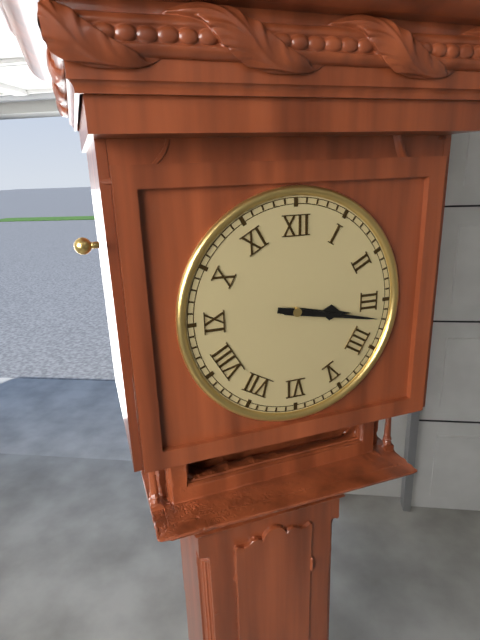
{"hour": 3, "minute": 17}
